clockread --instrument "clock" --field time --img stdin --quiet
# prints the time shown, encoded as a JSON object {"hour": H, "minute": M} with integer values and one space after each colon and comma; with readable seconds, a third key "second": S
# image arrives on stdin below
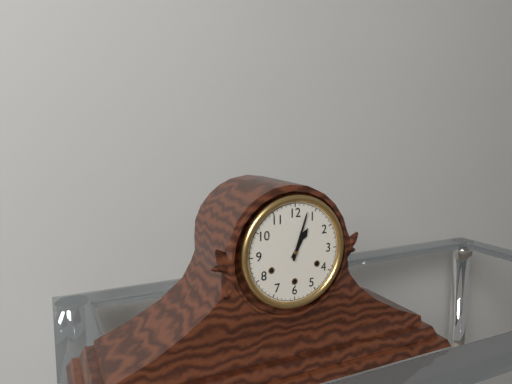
{"hour": 1, "minute": 3}
